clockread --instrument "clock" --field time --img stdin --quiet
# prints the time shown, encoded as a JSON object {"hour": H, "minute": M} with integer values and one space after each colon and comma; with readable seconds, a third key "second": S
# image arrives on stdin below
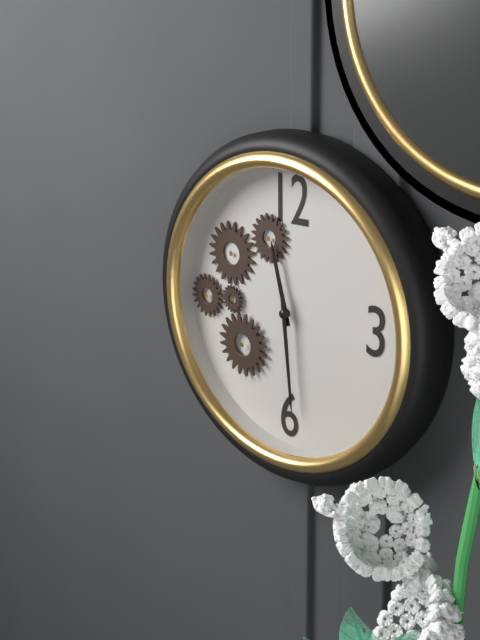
{"hour": 11, "minute": 29}
